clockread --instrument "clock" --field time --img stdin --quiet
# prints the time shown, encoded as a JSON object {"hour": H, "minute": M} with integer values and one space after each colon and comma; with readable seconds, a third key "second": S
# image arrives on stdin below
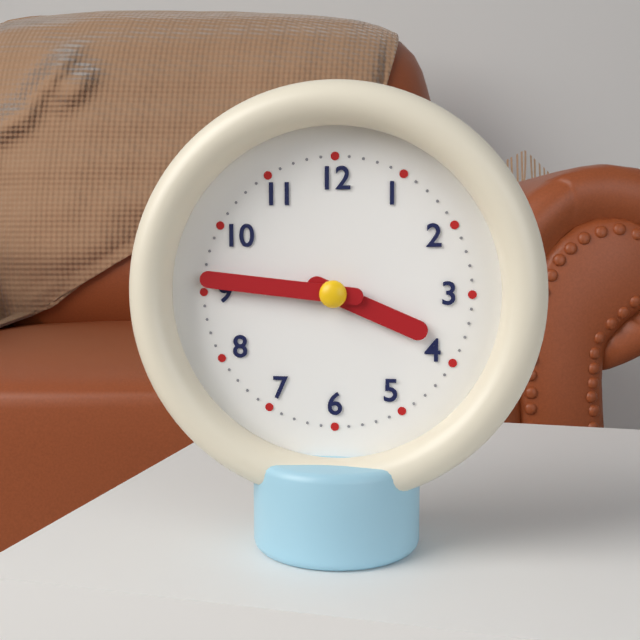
{"hour": 3, "minute": 46}
